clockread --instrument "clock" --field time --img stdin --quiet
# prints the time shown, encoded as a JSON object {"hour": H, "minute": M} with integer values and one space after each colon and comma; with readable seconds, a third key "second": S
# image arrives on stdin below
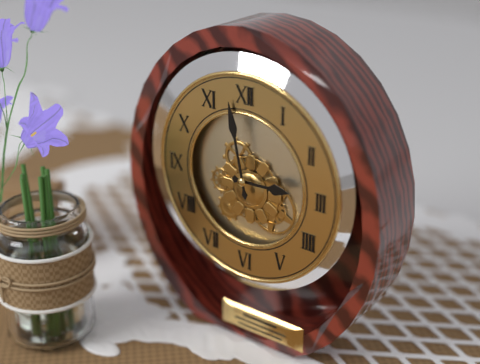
{"hour": 2, "minute": 58}
